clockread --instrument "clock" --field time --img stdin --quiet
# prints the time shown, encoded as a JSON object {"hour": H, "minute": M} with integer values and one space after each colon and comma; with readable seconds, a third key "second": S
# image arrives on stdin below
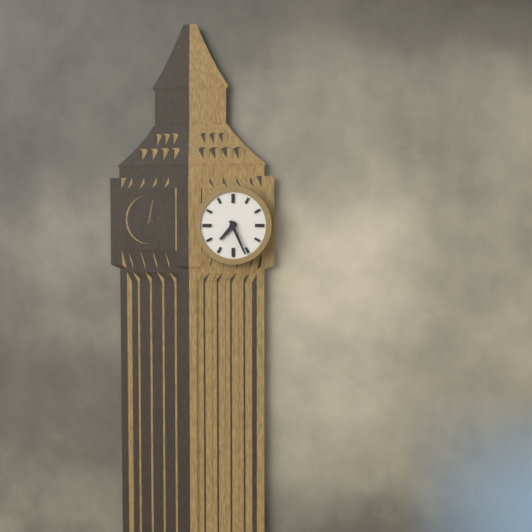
{"hour": 7, "minute": 26}
